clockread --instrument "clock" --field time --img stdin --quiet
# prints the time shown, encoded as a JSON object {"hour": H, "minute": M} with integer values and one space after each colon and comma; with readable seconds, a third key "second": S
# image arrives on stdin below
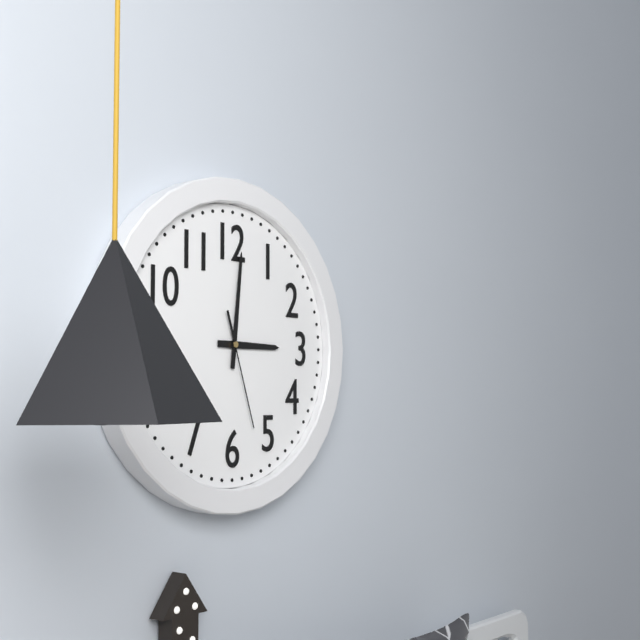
{"hour": 3, "minute": 1, "second": 27}
